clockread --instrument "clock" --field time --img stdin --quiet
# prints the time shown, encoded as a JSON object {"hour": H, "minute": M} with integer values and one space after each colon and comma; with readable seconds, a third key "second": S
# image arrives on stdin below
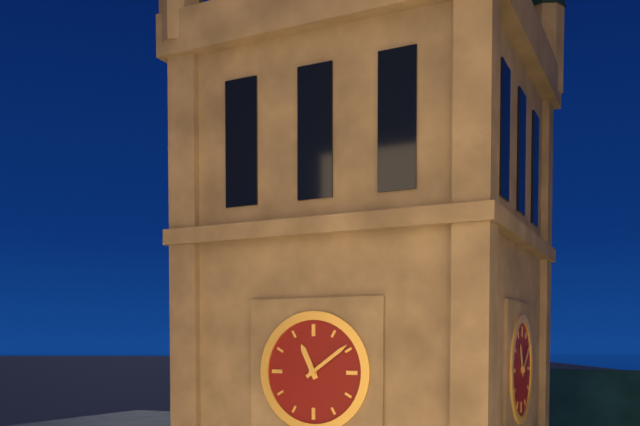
{"hour": 11, "minute": 9}
